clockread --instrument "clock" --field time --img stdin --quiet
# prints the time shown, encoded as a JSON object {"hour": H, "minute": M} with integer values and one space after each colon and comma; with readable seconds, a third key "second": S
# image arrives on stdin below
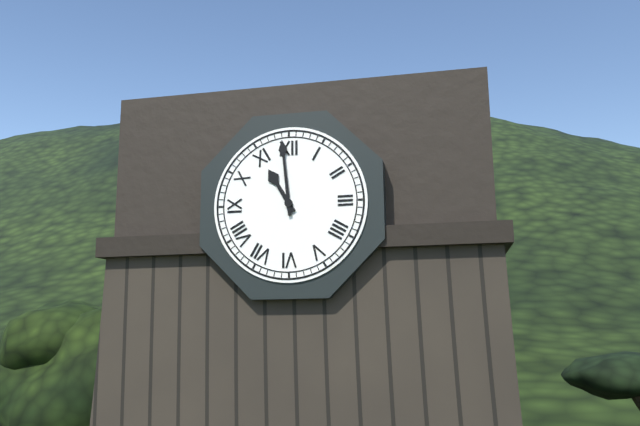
{"hour": 10, "minute": 59}
